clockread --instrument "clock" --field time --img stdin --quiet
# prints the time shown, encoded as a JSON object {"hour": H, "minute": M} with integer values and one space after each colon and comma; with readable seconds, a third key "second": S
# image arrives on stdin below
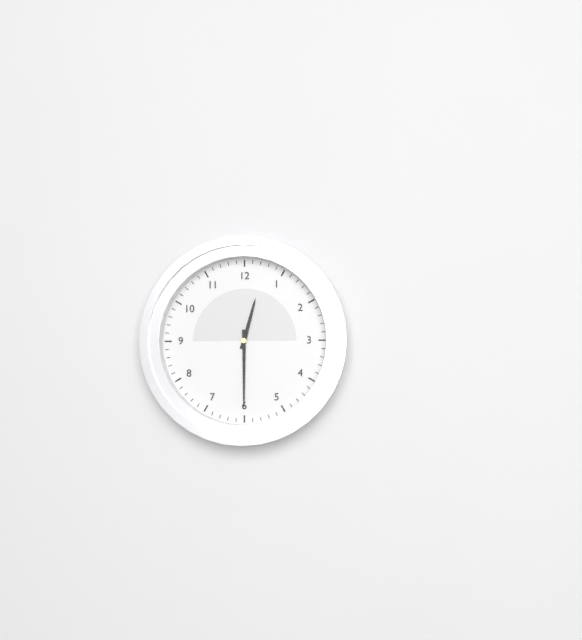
{"hour": 12, "minute": 30}
